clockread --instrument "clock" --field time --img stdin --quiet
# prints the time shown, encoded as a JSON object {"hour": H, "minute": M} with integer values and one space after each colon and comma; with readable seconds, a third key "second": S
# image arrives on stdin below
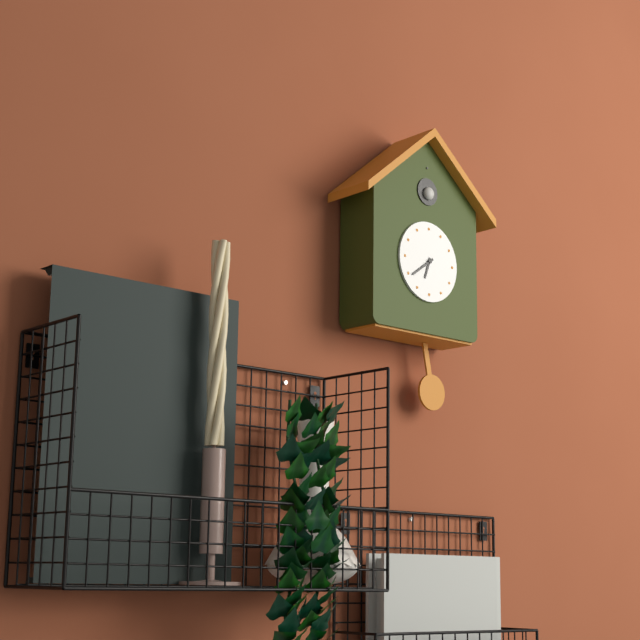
{"hour": 6, "minute": 39}
